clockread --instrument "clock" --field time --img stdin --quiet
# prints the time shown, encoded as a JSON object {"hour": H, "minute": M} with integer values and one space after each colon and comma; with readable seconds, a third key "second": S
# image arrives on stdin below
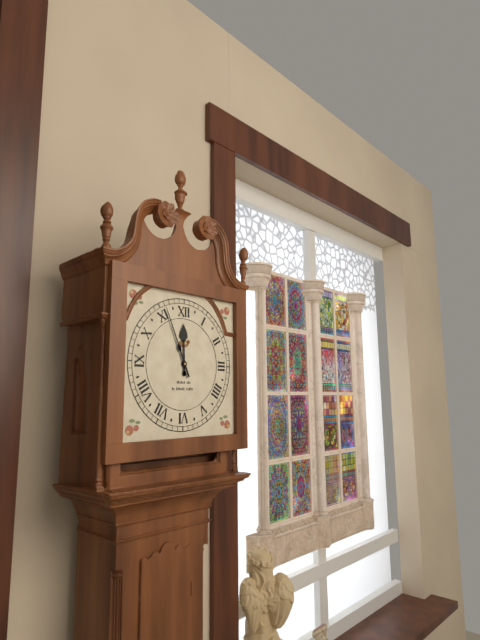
{"hour": 11, "minute": 56}
